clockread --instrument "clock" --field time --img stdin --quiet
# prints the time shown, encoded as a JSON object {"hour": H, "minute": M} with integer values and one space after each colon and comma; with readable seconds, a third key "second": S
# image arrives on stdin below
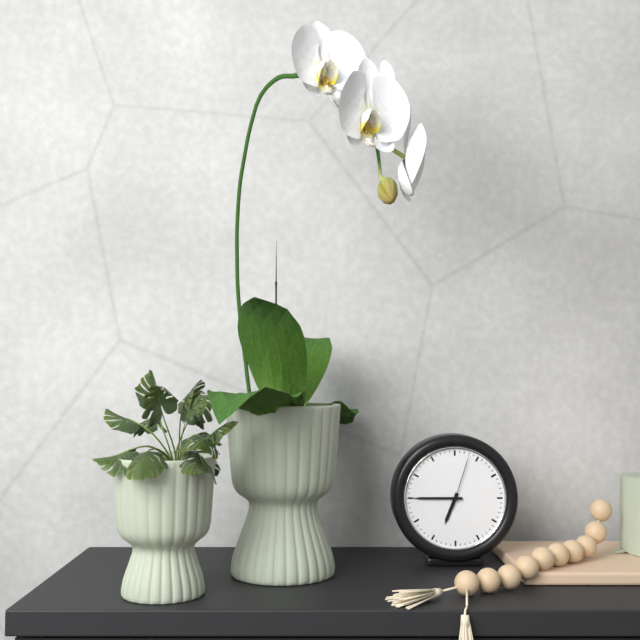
{"hour": 6, "minute": 45, "second": 3}
